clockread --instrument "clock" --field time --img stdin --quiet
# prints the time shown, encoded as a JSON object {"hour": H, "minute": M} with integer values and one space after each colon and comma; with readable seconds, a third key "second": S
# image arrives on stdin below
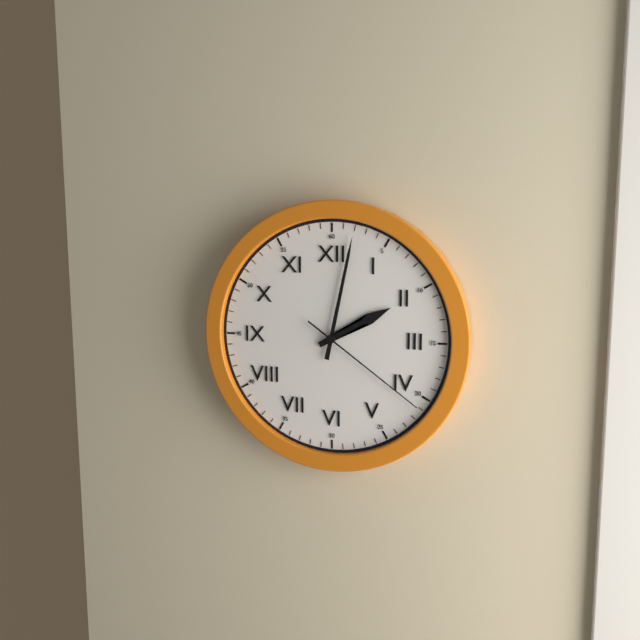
{"hour": 2, "minute": 2, "second": 21}
